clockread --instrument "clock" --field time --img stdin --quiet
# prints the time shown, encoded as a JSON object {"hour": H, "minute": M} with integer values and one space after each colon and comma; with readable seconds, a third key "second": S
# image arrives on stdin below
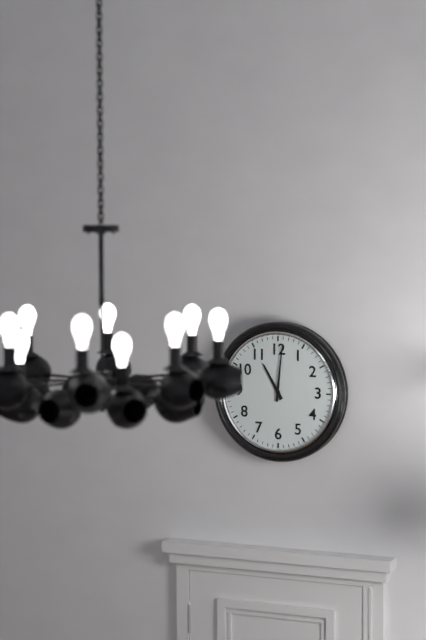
{"hour": 11, "minute": 1}
